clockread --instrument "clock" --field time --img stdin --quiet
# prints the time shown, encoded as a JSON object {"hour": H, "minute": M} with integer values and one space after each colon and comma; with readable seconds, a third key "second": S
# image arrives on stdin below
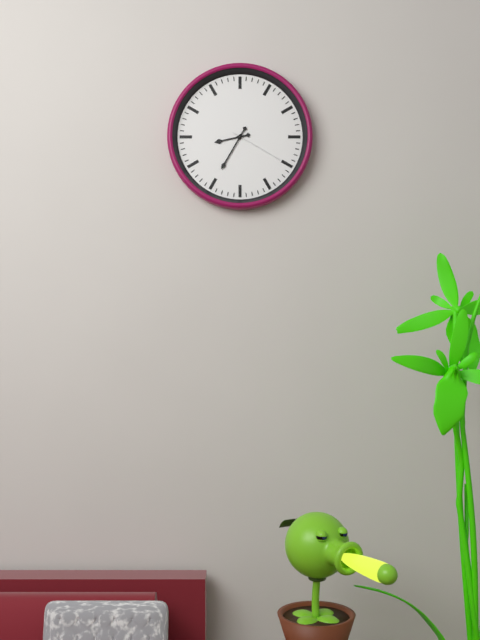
{"hour": 8, "minute": 35, "second": 20}
